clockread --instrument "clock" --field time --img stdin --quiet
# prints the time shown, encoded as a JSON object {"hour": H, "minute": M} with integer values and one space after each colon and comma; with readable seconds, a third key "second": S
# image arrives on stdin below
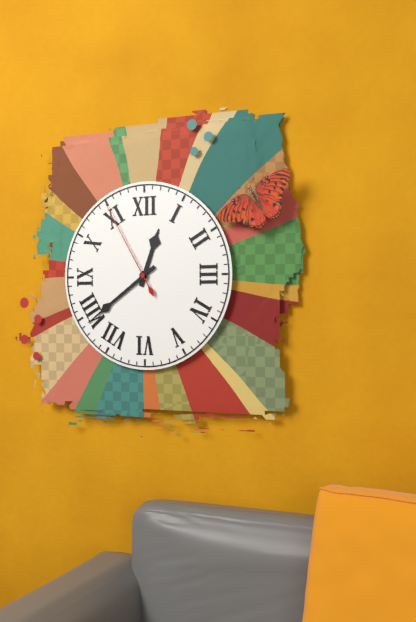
{"hour": 12, "minute": 39, "second": 55}
